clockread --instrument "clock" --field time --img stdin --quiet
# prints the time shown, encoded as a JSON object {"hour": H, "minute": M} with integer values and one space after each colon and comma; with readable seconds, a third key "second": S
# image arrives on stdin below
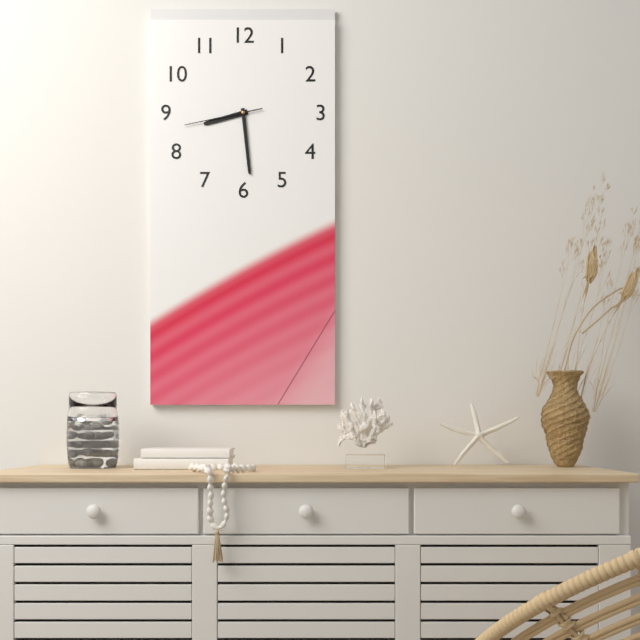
{"hour": 8, "minute": 29, "second": 43}
